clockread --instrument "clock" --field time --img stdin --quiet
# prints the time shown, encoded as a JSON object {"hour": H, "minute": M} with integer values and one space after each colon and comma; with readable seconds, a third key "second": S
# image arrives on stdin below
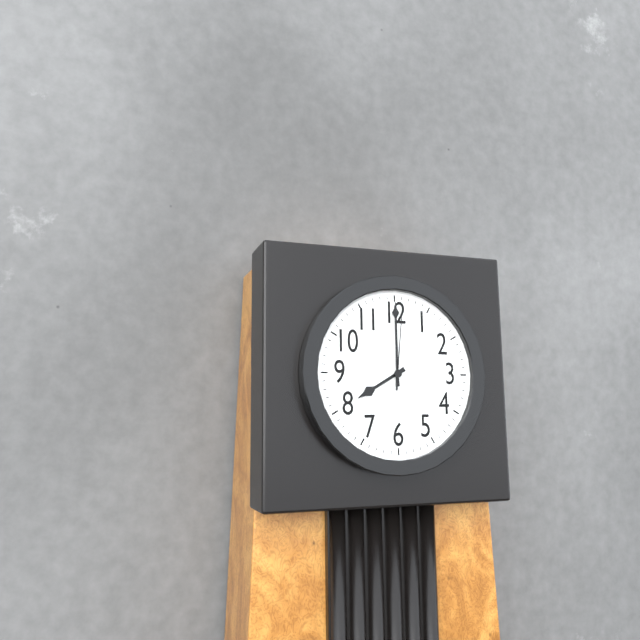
{"hour": 8, "minute": 0, "second": 1}
